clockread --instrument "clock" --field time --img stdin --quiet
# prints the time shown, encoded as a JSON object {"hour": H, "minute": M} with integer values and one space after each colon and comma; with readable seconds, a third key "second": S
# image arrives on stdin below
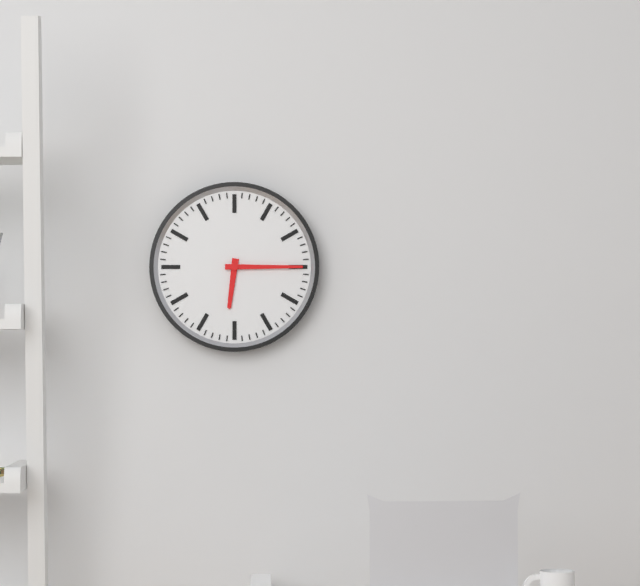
{"hour": 6, "minute": 15}
